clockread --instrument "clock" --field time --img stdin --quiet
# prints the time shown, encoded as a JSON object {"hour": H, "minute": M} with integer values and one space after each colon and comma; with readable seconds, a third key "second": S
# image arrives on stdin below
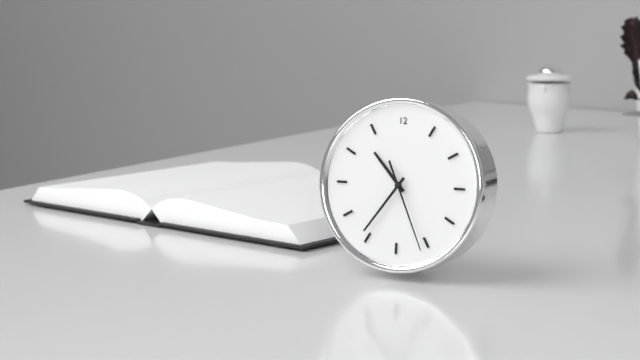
{"hour": 10, "minute": 36, "second": 26}
